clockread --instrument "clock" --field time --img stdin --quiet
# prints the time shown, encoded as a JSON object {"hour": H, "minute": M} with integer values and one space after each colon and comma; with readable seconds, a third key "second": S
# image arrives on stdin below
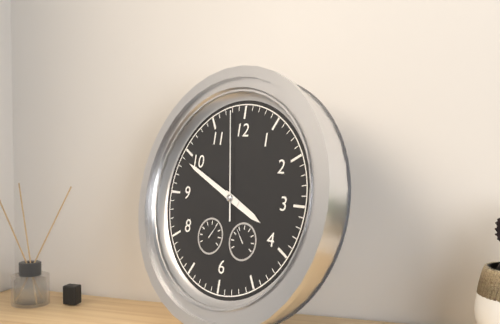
{"hour": 3, "minute": 49, "second": 58}
